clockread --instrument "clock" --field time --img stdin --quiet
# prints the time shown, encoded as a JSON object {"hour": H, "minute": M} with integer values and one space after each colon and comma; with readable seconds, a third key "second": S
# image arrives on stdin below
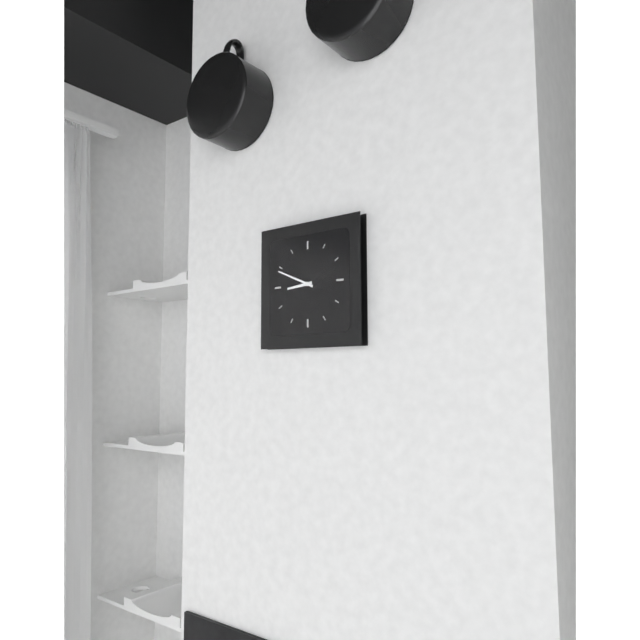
{"hour": 8, "minute": 49}
